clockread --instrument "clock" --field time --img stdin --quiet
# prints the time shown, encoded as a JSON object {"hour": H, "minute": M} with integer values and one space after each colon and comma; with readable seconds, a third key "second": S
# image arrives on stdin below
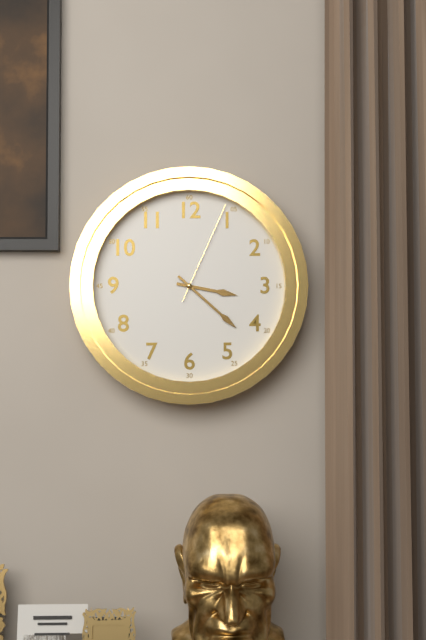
{"hour": 3, "minute": 22, "second": 4}
